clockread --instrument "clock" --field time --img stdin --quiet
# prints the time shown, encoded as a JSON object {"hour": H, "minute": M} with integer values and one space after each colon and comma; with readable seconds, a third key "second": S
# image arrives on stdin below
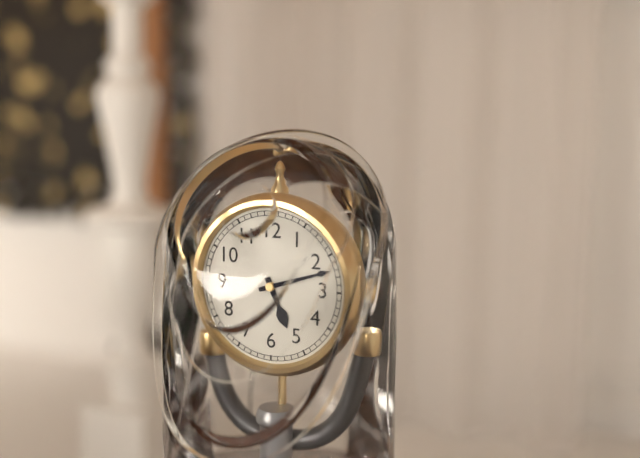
{"hour": 5, "minute": 12}
